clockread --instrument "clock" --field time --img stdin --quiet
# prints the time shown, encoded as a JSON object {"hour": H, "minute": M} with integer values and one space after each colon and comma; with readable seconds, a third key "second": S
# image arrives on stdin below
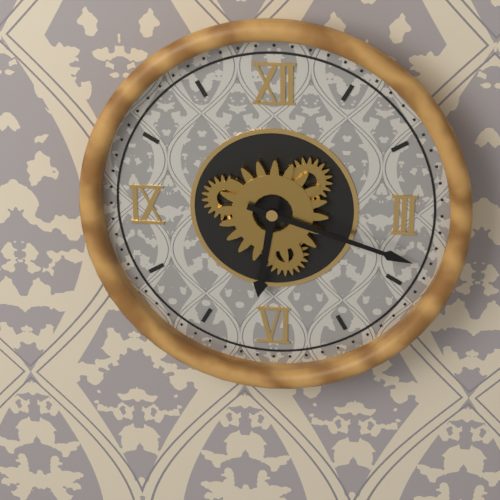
{"hour": 6, "minute": 18}
